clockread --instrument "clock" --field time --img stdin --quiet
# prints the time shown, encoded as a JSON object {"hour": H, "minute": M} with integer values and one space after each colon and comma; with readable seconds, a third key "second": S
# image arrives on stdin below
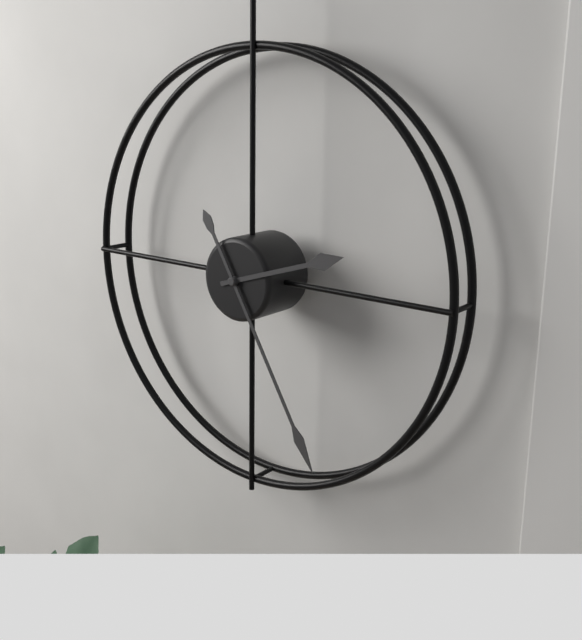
{"hour": 2, "minute": 25}
